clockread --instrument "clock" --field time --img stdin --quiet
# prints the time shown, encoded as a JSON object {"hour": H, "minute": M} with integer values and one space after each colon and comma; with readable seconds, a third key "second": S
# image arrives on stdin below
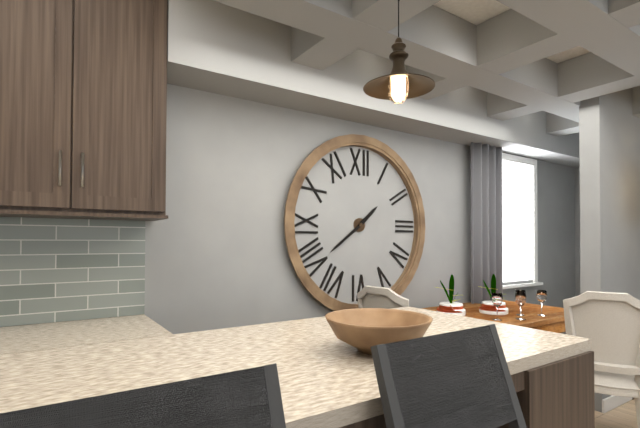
{"hour": 1, "minute": 39}
